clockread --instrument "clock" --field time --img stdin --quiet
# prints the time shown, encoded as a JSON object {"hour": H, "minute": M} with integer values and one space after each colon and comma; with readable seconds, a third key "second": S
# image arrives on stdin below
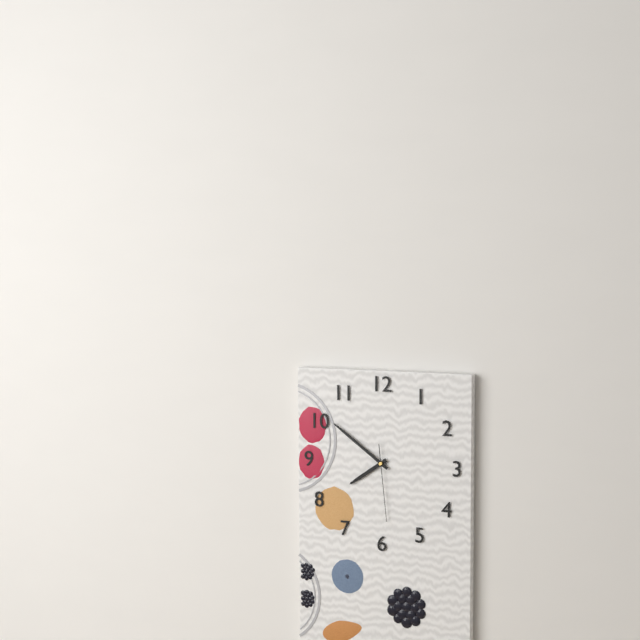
{"hour": 7, "minute": 51, "second": 29}
